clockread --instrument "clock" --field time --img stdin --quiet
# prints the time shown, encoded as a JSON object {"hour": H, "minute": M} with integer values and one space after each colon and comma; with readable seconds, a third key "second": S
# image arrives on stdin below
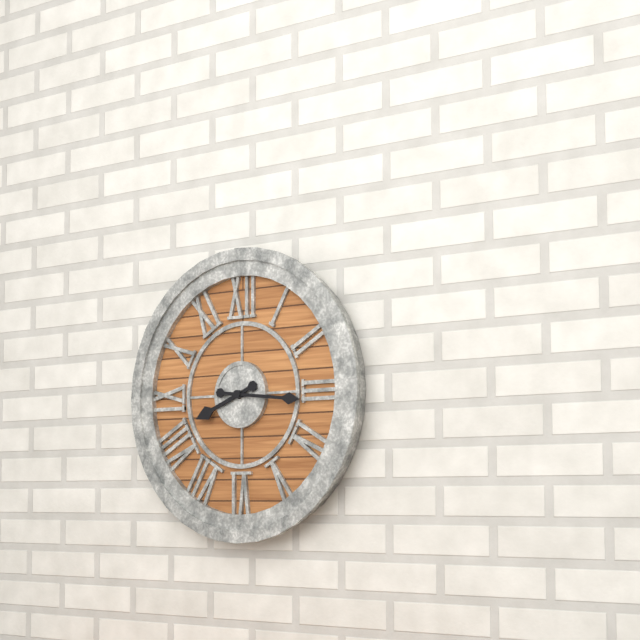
{"hour": 8, "minute": 16}
